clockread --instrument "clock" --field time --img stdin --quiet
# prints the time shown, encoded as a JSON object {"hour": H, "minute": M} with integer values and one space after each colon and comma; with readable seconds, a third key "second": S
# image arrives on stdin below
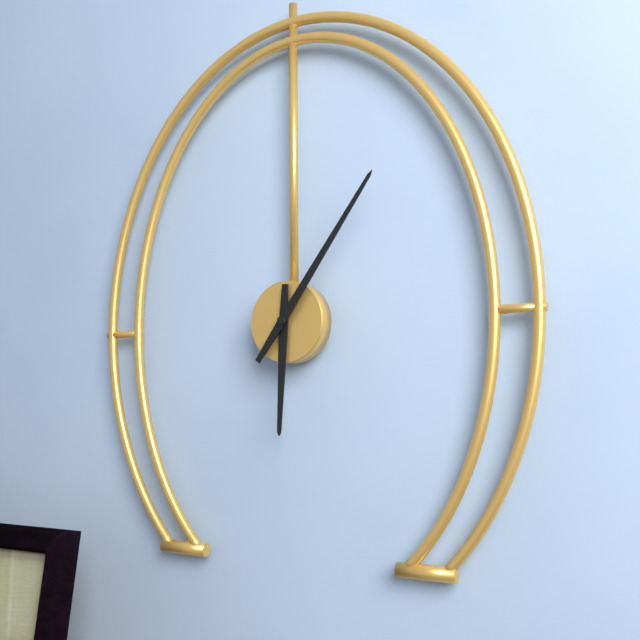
{"hour": 6, "minute": 6}
